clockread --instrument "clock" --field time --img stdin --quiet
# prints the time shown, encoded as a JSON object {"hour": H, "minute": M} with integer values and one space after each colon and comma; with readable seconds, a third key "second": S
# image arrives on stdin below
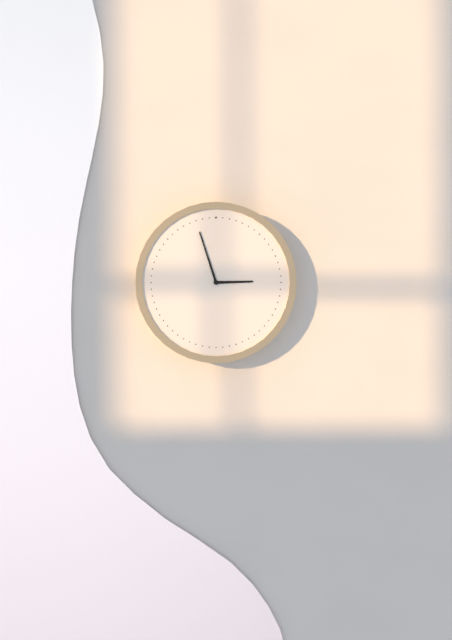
{"hour": 2, "minute": 57}
